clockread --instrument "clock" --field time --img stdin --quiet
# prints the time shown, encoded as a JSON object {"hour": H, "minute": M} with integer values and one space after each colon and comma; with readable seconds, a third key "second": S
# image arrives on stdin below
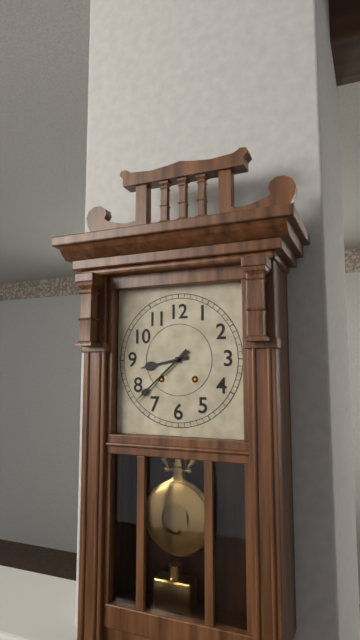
{"hour": 8, "minute": 38}
